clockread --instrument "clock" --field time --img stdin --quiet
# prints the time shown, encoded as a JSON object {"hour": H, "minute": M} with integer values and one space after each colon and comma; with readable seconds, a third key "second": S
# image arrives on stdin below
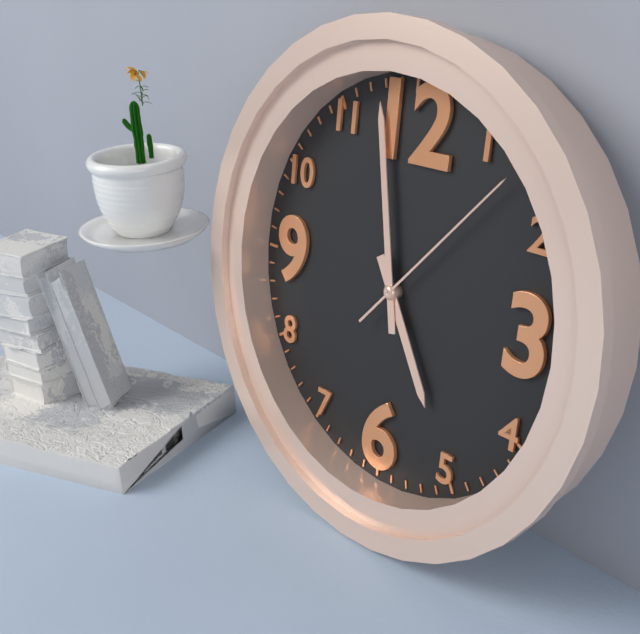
{"hour": 4, "minute": 58, "second": 7}
